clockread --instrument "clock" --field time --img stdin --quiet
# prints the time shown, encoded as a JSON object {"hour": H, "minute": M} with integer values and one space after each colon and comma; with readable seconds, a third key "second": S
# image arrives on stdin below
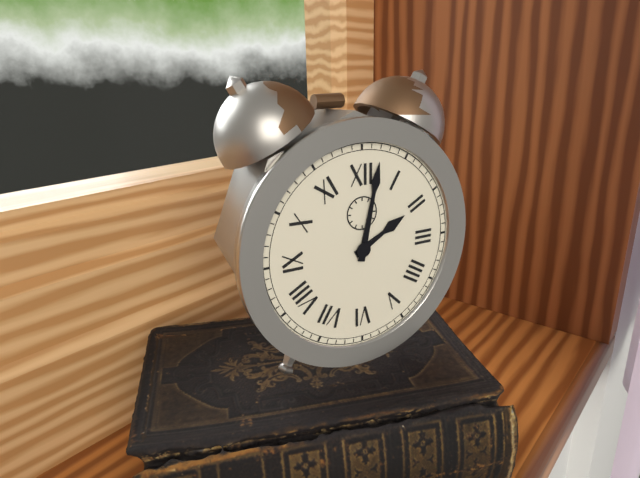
{"hour": 2, "minute": 2}
